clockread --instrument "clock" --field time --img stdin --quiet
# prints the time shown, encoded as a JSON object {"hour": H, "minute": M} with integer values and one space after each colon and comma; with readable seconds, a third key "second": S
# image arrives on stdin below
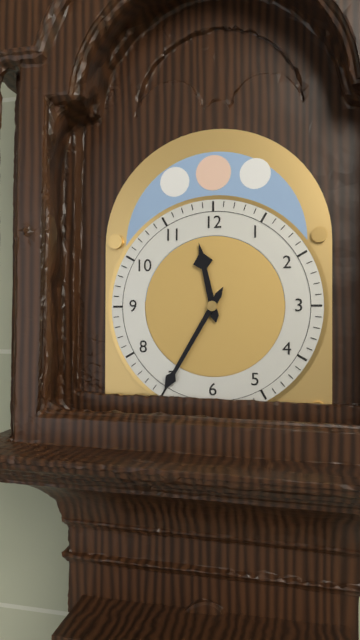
{"hour": 11, "minute": 35}
